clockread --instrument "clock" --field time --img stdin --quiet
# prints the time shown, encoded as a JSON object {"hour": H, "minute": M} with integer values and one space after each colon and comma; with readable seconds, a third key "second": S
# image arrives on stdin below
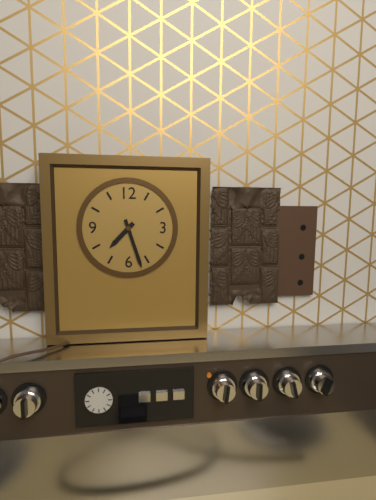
{"hour": 7, "minute": 27}
